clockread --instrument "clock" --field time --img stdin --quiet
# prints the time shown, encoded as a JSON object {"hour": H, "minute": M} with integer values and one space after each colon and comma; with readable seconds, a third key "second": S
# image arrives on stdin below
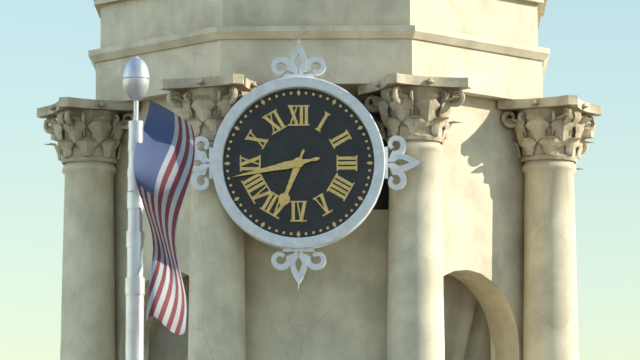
{"hour": 6, "minute": 43}
